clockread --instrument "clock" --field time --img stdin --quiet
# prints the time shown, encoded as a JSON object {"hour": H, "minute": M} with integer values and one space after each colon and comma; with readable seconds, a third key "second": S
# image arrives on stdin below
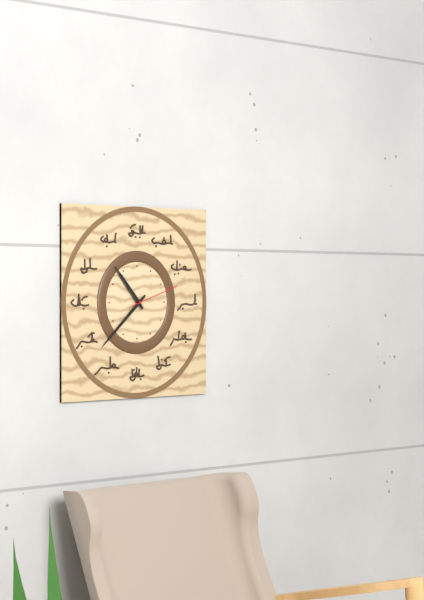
{"hour": 10, "minute": 38, "second": 12}
